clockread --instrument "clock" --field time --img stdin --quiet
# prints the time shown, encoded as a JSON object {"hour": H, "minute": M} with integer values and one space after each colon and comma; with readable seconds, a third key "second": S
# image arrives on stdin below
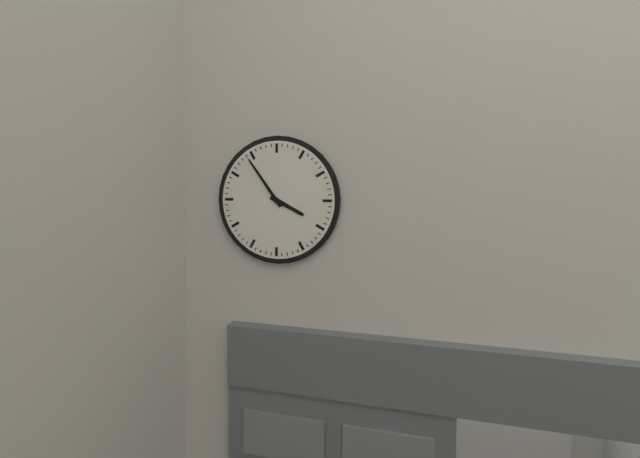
{"hour": 3, "minute": 54}
